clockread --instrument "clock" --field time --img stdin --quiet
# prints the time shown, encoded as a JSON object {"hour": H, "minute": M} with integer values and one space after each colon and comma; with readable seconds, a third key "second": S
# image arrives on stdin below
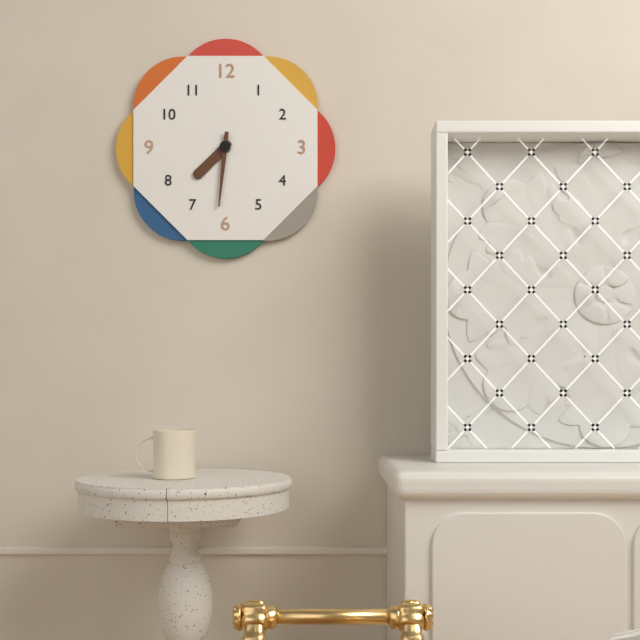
{"hour": 7, "minute": 31}
